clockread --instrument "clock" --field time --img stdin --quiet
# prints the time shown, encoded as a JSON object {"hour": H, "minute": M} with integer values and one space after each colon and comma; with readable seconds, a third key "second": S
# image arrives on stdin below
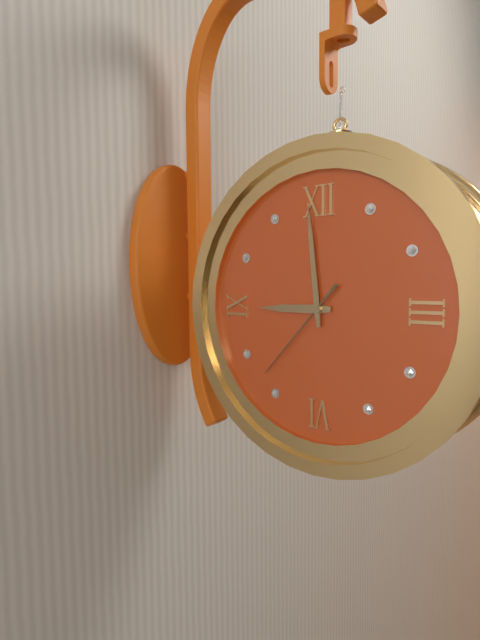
{"hour": 8, "minute": 59, "second": 37}
